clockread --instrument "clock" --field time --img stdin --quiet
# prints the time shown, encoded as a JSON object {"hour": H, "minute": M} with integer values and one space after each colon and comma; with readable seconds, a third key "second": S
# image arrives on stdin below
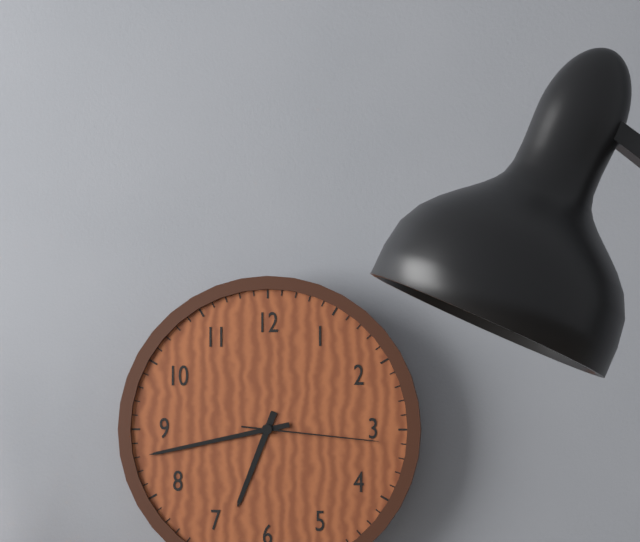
{"hour": 6, "minute": 43, "second": 16}
